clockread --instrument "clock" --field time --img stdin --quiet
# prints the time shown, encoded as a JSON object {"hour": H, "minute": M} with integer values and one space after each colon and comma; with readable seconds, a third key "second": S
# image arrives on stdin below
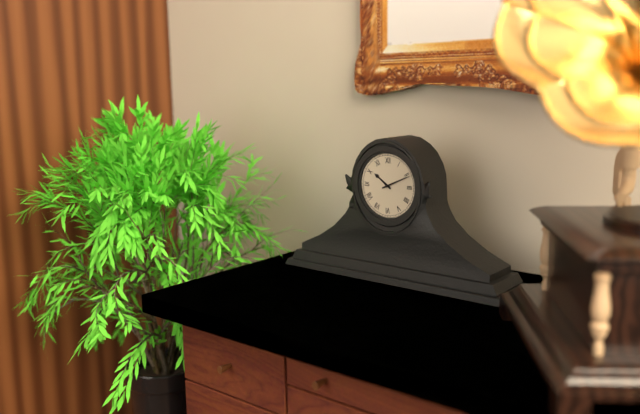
{"hour": 10, "minute": 11}
